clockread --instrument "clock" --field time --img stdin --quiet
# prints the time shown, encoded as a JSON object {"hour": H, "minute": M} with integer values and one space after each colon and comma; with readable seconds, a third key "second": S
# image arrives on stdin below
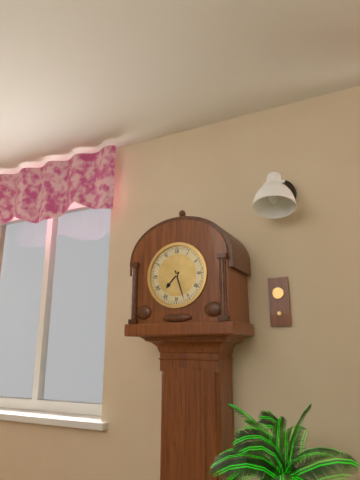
{"hour": 7, "minute": 27}
